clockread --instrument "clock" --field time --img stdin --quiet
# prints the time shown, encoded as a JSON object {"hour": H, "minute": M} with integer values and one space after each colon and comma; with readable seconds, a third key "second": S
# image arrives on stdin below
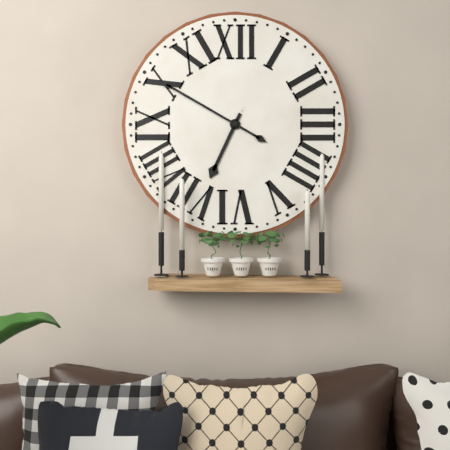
{"hour": 6, "minute": 50}
